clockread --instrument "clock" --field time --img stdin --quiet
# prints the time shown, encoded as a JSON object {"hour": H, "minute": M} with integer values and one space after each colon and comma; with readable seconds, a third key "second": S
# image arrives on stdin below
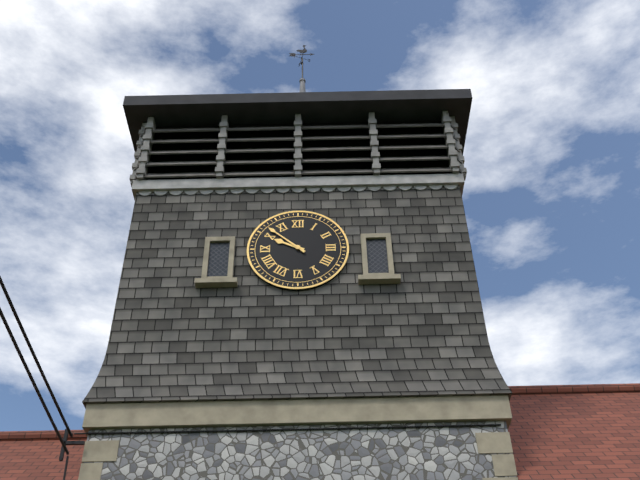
{"hour": 9, "minute": 52}
